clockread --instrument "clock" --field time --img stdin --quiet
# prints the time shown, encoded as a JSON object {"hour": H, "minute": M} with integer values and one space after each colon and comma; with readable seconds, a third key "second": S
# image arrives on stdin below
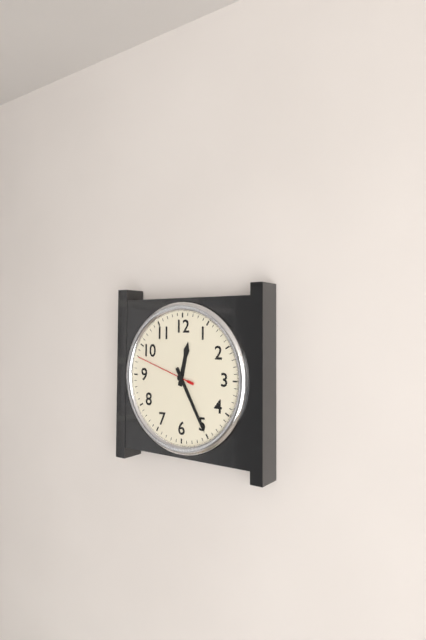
{"hour": 12, "minute": 25, "second": 48}
